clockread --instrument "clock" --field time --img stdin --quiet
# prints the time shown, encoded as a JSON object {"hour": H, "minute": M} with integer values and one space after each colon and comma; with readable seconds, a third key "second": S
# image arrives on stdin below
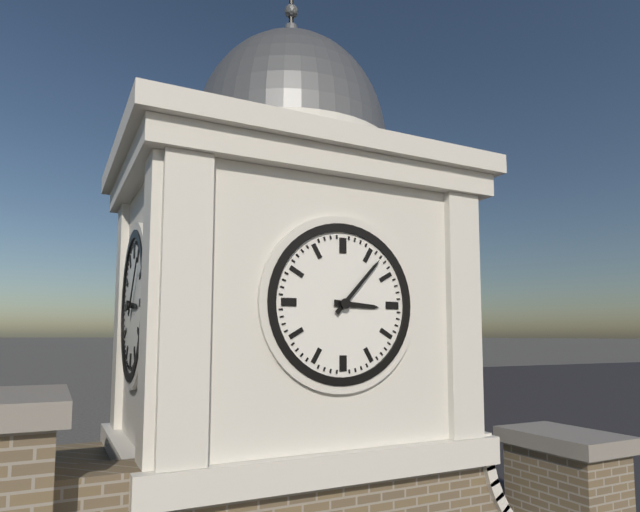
{"hour": 3, "minute": 7}
